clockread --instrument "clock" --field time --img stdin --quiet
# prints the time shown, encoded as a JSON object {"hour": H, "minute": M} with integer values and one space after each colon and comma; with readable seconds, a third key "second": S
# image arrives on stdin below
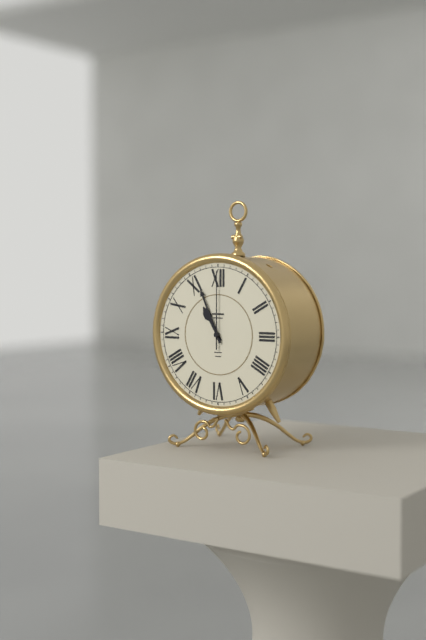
{"hour": 10, "minute": 56, "second": 0}
